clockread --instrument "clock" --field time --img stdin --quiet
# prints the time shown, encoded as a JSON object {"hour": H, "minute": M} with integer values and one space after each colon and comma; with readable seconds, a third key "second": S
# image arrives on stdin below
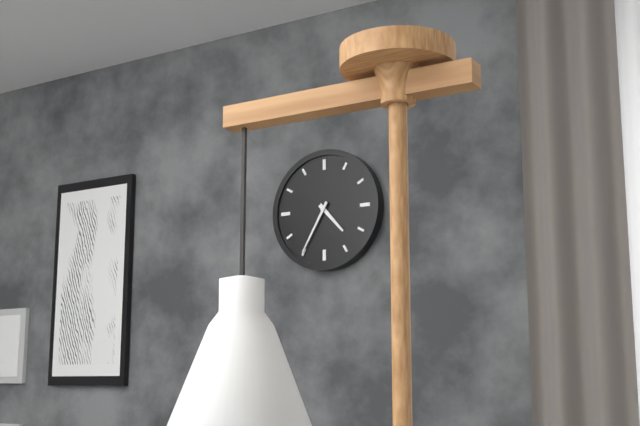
{"hour": 4, "minute": 35}
